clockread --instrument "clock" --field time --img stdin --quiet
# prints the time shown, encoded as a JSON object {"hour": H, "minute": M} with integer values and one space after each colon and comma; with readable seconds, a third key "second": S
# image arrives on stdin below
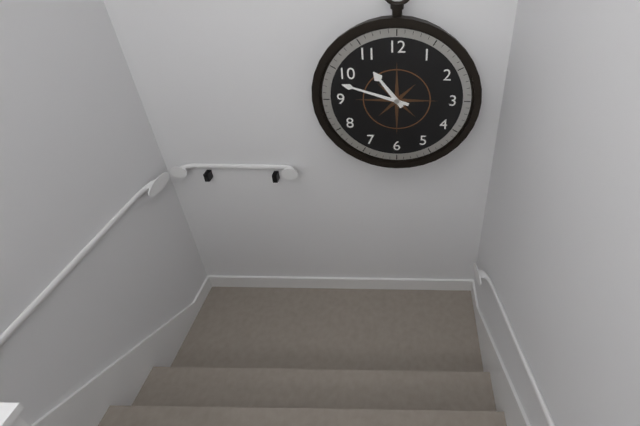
{"hour": 10, "minute": 48}
